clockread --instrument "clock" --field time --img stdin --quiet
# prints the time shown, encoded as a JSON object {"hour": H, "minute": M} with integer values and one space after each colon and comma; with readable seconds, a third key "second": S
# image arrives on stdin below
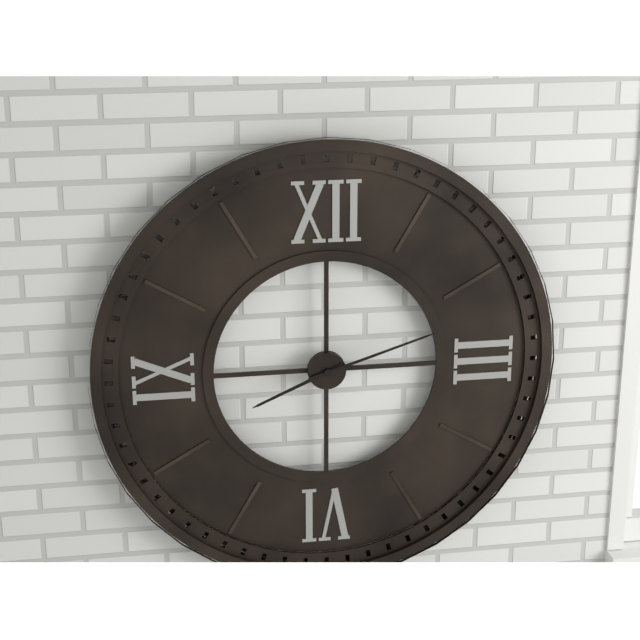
{"hour": 8, "minute": 12}
